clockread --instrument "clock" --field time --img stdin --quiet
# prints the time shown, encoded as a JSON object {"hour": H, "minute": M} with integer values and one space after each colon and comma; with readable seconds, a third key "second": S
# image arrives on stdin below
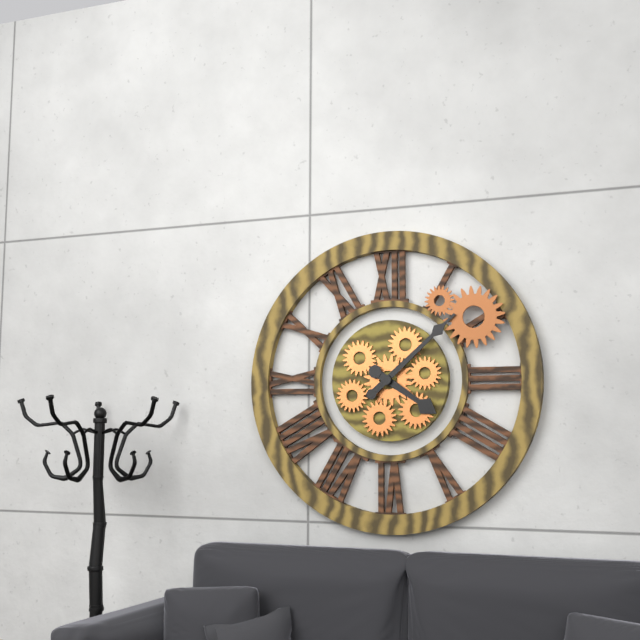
{"hour": 4, "minute": 8}
